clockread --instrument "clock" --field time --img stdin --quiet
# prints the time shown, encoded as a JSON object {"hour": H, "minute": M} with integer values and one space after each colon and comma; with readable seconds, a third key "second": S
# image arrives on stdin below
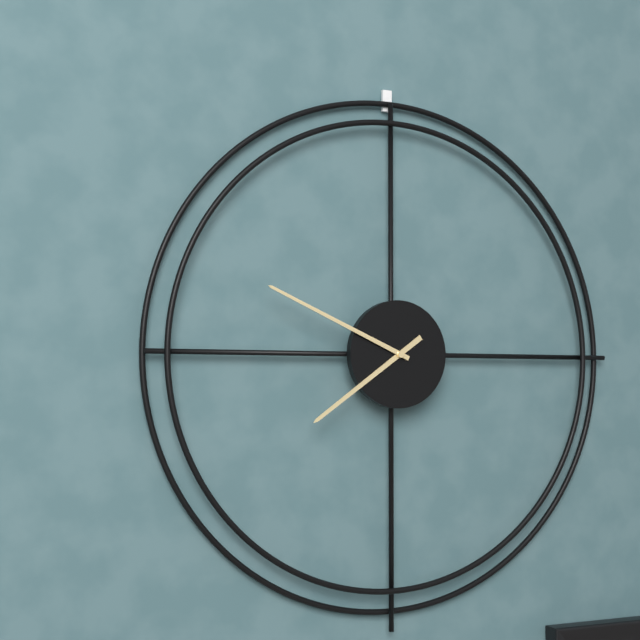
{"hour": 7, "minute": 49}
